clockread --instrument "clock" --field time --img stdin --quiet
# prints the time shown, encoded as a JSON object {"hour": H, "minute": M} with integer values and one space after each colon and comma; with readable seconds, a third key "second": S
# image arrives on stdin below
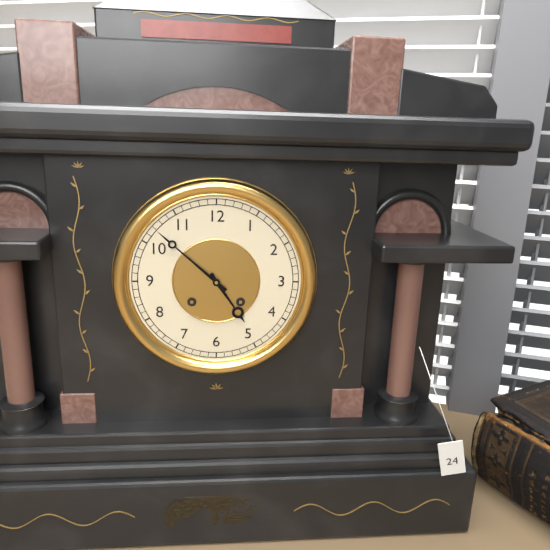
{"hour": 4, "minute": 52}
